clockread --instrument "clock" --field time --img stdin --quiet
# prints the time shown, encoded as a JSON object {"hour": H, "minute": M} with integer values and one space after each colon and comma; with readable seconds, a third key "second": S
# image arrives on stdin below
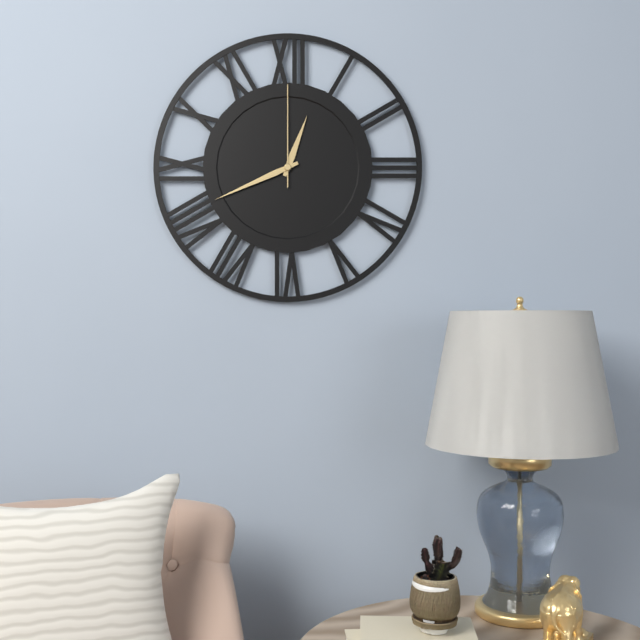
{"hour": 12, "minute": 41, "second": 0}
